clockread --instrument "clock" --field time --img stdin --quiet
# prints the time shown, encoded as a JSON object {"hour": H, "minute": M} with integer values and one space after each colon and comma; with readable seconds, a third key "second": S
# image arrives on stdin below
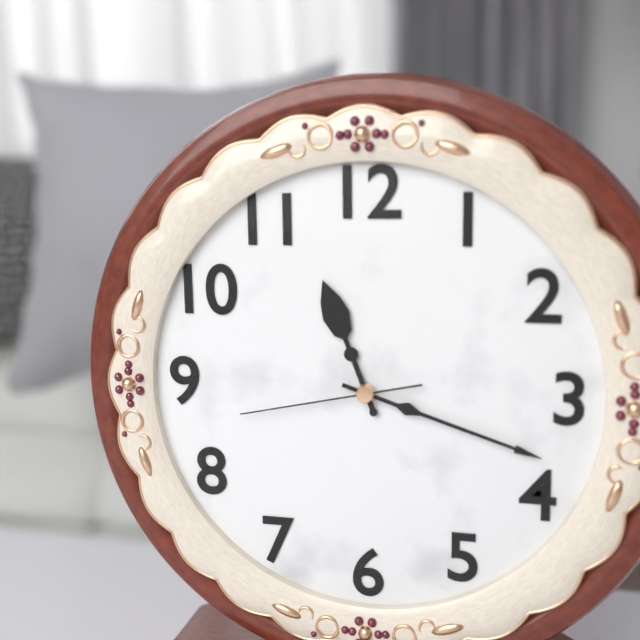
{"hour": 11, "minute": 18, "second": 43}
